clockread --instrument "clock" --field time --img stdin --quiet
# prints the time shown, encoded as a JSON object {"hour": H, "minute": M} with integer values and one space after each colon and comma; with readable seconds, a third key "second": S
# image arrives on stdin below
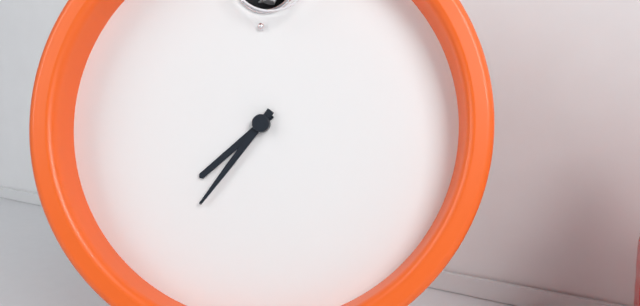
{"hour": 7, "minute": 36}
